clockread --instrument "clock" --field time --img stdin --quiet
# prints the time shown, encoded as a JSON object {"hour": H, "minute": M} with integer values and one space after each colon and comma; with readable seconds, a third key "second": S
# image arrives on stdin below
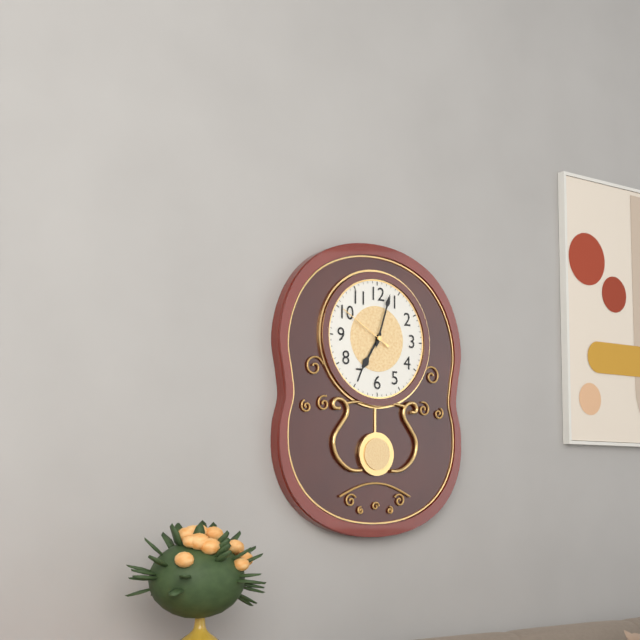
{"hour": 7, "minute": 3}
